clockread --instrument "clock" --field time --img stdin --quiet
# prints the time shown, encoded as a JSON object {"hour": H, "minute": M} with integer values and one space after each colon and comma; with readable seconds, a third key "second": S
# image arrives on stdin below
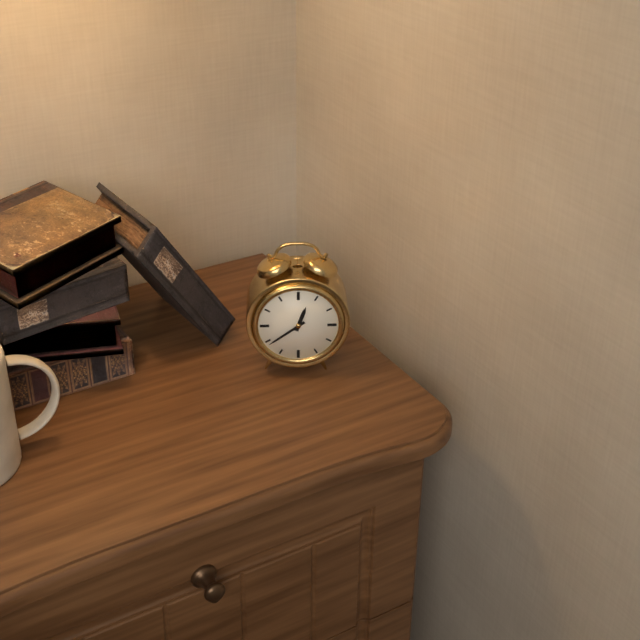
{"hour": 12, "minute": 39}
